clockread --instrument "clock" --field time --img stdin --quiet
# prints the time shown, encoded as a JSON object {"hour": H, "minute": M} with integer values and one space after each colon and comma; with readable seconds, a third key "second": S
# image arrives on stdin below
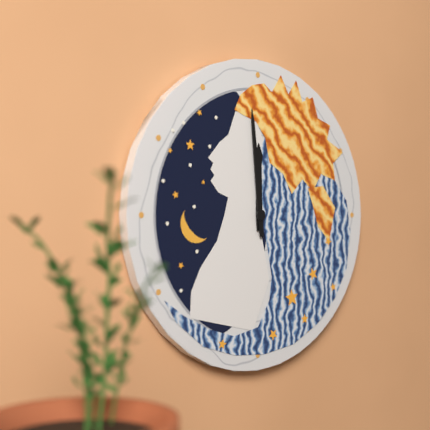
{"hour": 11, "minute": 59}
